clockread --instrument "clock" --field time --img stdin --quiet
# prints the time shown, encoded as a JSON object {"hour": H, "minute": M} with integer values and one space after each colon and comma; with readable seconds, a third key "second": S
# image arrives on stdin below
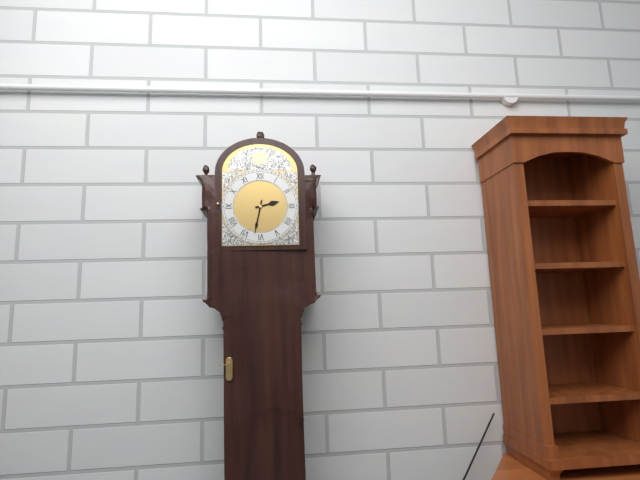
{"hour": 2, "minute": 32}
